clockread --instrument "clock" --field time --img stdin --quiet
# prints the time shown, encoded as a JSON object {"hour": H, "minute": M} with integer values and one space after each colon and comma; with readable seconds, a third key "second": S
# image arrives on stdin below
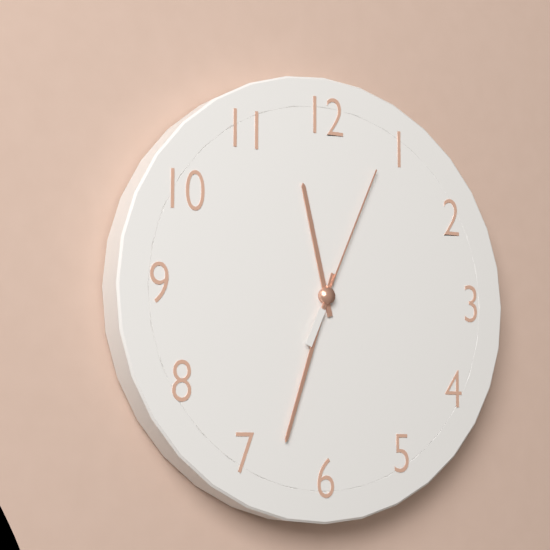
{"hour": 11, "minute": 33, "second": 4}
